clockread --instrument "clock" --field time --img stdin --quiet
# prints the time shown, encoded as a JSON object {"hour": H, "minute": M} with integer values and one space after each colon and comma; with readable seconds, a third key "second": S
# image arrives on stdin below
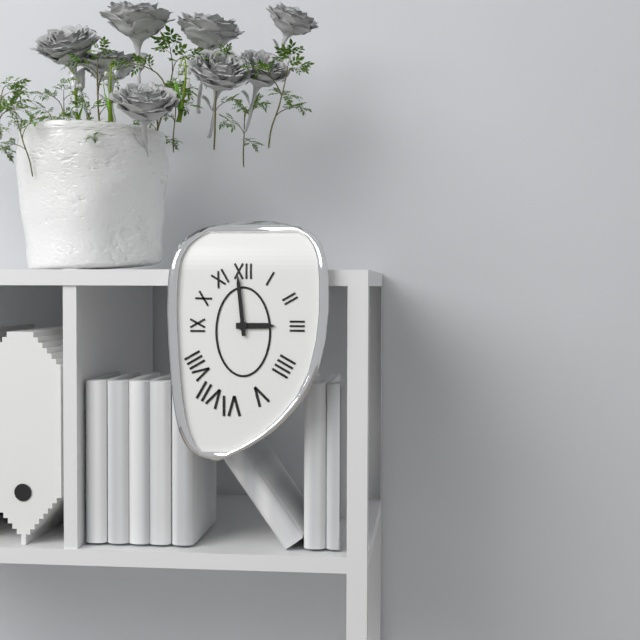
{"hour": 2, "minute": 59}
